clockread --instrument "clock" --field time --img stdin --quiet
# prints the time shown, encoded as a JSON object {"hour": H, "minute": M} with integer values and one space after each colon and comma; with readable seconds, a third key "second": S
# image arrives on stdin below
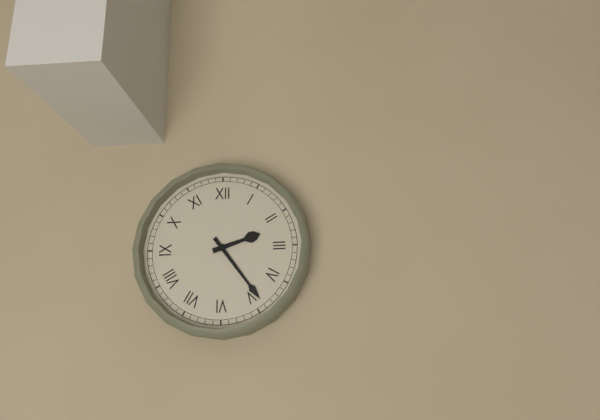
{"hour": 2, "minute": 24}
